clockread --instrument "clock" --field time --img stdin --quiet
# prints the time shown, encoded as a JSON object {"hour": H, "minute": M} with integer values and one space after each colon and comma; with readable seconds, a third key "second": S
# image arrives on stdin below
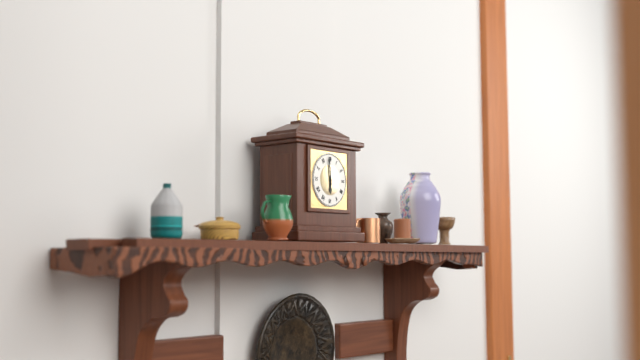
{"hour": 5, "minute": 59}
